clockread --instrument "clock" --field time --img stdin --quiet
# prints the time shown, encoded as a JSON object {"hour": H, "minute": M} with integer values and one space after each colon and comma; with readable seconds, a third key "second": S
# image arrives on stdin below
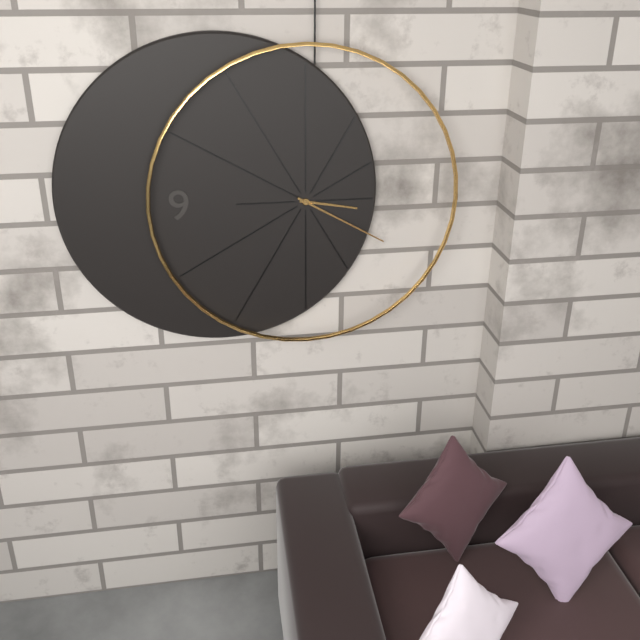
{"hour": 3, "minute": 20}
